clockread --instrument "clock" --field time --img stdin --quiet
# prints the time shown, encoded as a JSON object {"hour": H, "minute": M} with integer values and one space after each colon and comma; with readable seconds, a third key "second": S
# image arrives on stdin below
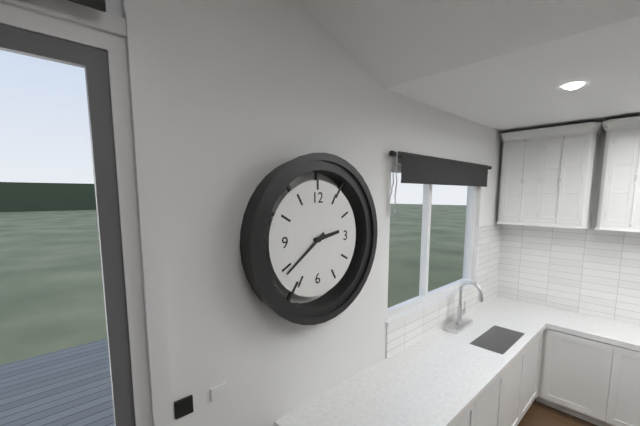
{"hour": 2, "minute": 39}
